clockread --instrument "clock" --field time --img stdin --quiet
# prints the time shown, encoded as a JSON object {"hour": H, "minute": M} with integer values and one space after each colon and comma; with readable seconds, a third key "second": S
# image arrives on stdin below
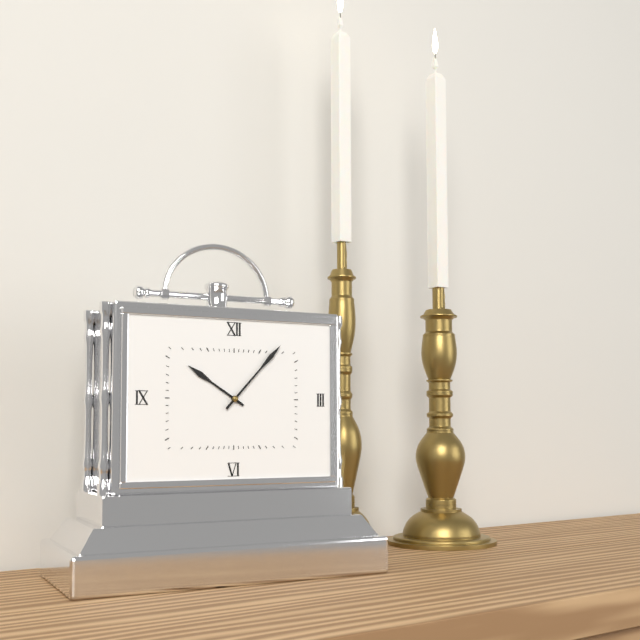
{"hour": 10, "minute": 7}
